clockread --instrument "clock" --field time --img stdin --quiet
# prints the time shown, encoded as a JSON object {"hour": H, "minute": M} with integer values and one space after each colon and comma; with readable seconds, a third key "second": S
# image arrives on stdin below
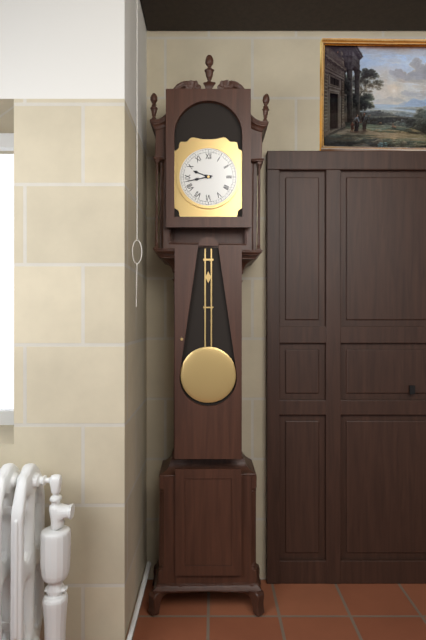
{"hour": 9, "minute": 43}
